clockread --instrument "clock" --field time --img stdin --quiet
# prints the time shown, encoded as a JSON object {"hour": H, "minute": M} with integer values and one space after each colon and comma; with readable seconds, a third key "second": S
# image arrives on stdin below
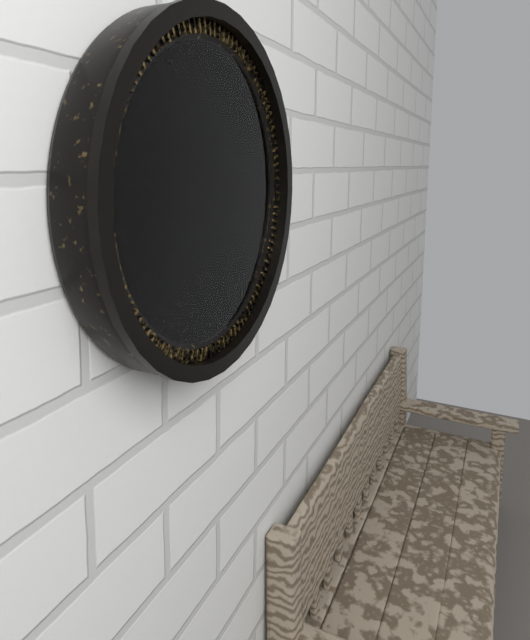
{"hour": 5, "minute": 9}
